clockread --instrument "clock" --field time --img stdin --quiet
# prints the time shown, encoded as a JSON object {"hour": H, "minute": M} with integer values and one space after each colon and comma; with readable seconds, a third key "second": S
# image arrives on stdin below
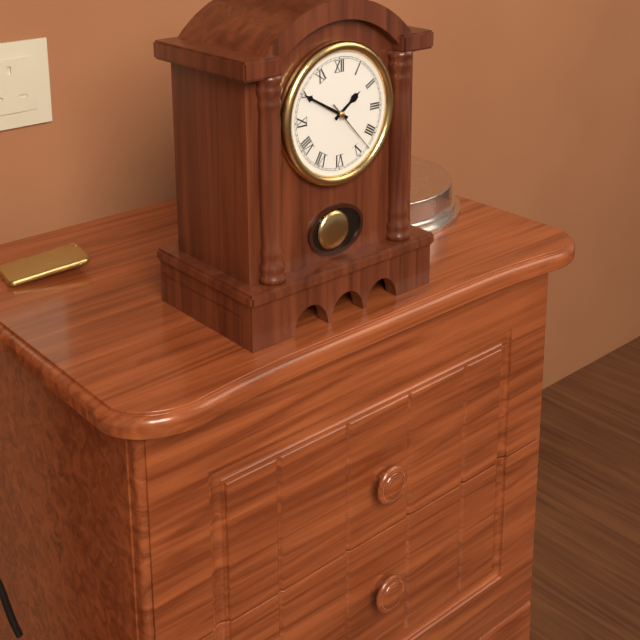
{"hour": 1, "minute": 50, "second": 23}
